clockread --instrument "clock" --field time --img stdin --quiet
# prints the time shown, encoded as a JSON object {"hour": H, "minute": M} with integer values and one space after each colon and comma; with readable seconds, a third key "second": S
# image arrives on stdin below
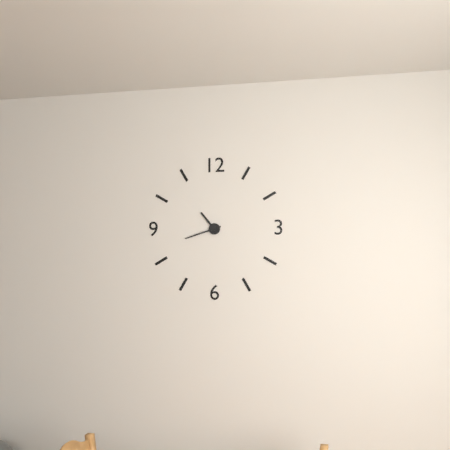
{"hour": 10, "minute": 42}
